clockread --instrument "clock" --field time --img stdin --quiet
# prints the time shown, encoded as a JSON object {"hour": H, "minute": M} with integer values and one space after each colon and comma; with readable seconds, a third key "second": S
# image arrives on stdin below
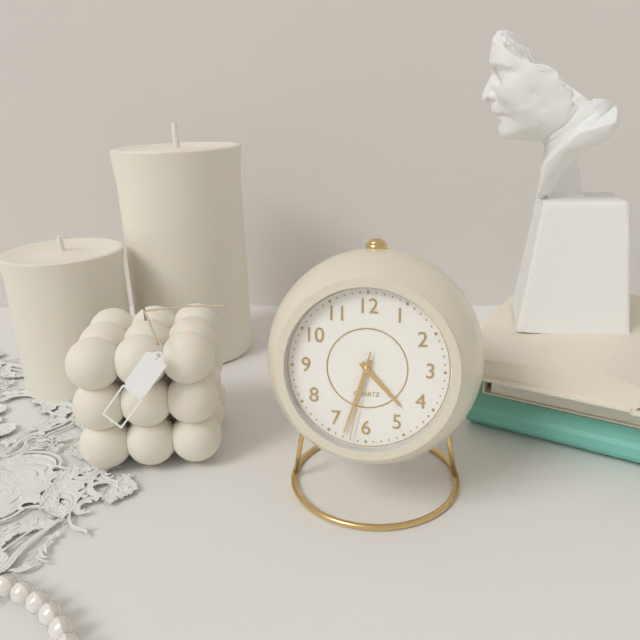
{"hour": 4, "minute": 33, "second": 32}
